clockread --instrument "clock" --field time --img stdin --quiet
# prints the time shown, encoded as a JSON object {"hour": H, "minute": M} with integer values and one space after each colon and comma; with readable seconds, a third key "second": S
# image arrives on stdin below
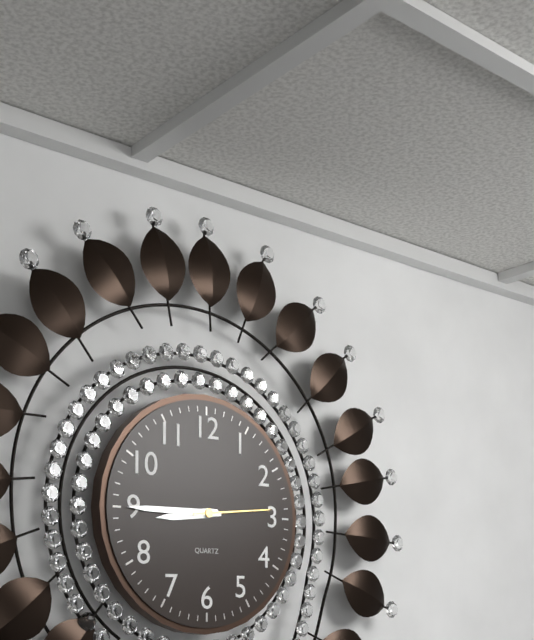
{"hour": 8, "minute": 45, "second": 14}
